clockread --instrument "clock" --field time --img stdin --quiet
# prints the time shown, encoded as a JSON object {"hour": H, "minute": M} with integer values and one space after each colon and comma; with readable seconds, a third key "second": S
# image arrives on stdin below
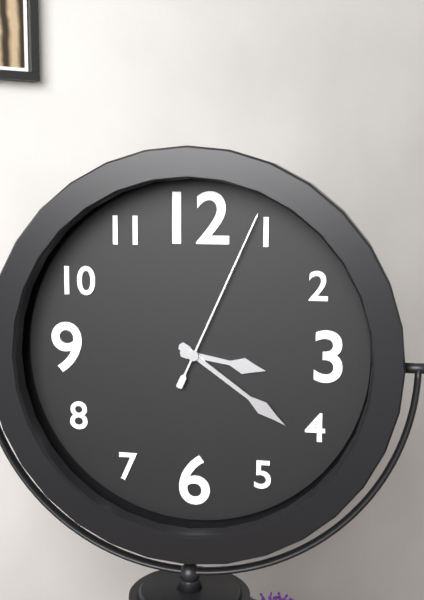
{"hour": 3, "minute": 21, "second": 4}
